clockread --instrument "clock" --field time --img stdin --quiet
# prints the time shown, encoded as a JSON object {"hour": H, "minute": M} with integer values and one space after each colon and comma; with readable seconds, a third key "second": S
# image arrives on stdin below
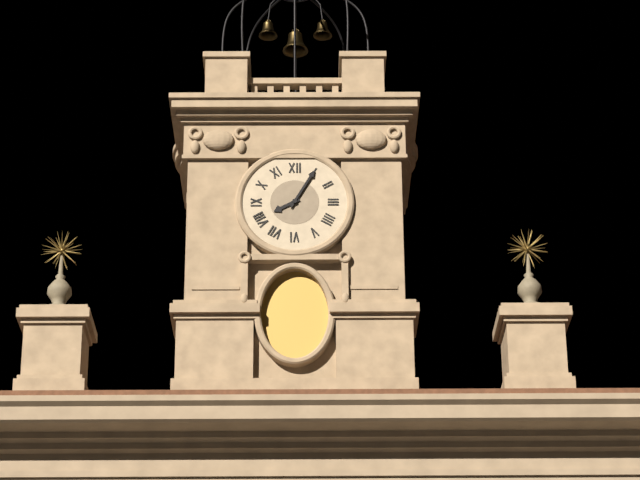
{"hour": 8, "minute": 5}
